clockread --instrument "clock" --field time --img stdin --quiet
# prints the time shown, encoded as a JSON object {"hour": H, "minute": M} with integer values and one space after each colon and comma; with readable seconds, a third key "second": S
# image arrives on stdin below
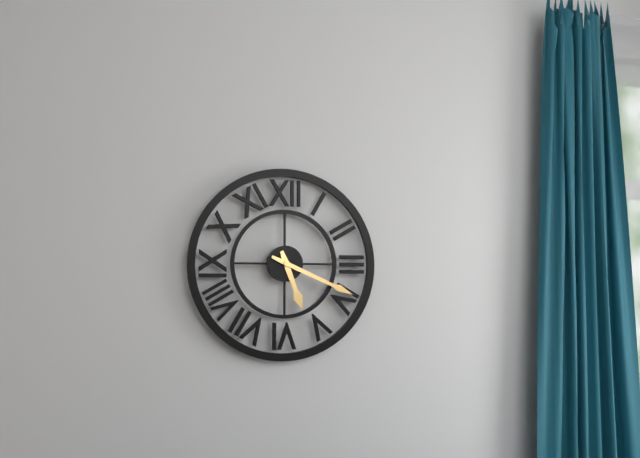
{"hour": 5, "minute": 19}
